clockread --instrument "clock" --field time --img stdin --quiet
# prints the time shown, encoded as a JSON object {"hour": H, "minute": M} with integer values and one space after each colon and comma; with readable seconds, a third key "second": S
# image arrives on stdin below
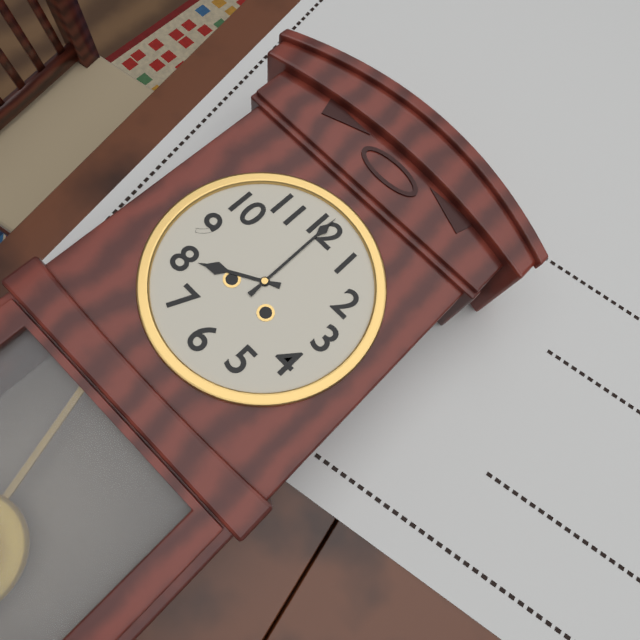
{"hour": 8, "minute": 0}
